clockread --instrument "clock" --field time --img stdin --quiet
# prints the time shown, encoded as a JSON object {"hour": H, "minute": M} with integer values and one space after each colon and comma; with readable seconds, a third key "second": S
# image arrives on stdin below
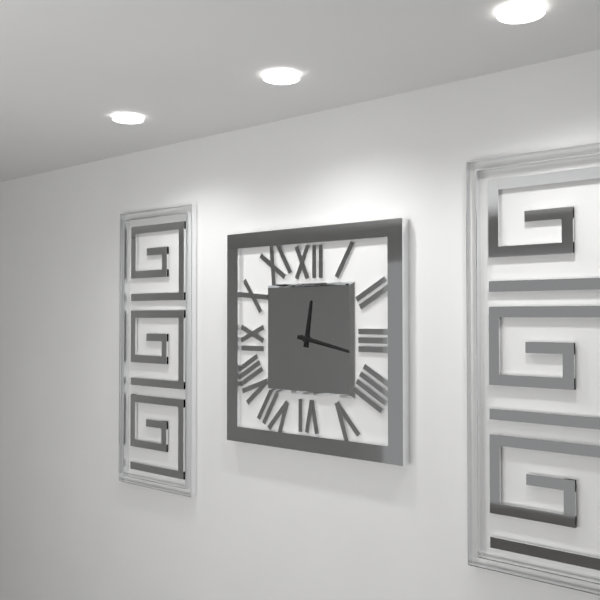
{"hour": 12, "minute": 17}
